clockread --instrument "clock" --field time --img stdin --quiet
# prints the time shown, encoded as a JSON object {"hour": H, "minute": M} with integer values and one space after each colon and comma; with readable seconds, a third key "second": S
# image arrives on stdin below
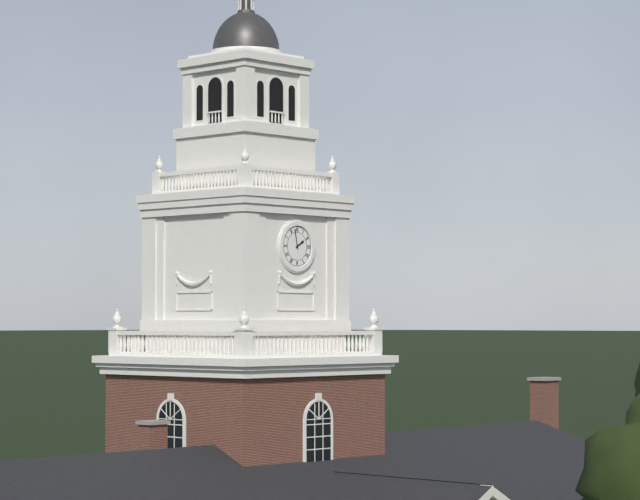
{"hour": 1, "minute": 58}
